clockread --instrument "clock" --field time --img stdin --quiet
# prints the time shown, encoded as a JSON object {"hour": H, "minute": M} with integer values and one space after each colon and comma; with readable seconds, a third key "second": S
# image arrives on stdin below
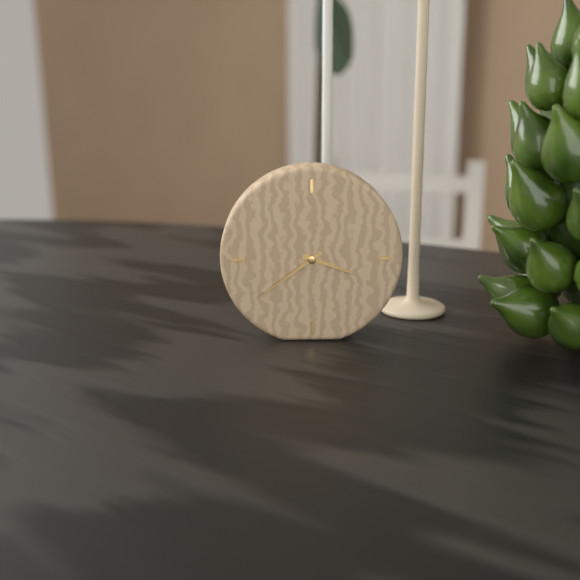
{"hour": 3, "minute": 39}
